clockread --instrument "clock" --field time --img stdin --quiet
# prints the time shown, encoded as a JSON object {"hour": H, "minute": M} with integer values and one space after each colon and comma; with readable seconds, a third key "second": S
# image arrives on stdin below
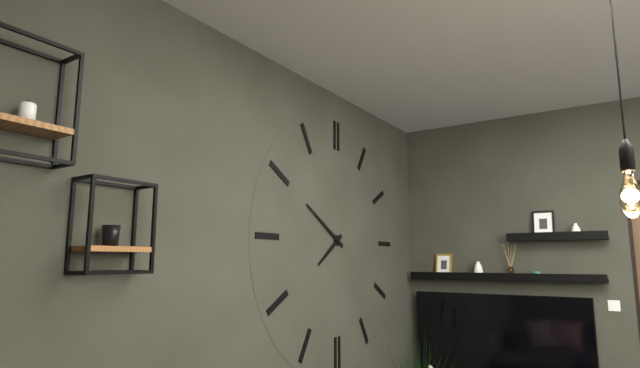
{"hour": 7, "minute": 50}
